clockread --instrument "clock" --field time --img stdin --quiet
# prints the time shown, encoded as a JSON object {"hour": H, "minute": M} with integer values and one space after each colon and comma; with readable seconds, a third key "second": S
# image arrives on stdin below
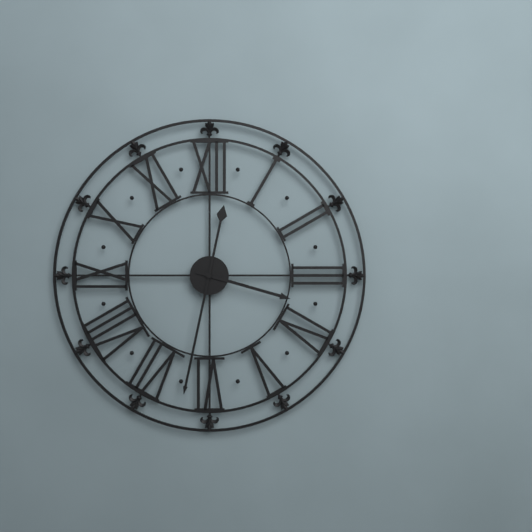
{"hour": 3, "minute": 32}
